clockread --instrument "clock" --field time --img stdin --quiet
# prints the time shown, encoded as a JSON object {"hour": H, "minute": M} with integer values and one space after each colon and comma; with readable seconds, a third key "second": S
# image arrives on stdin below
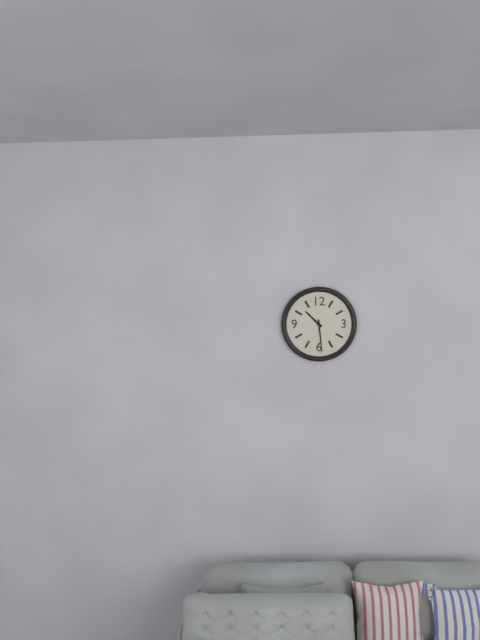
{"hour": 10, "minute": 29}
